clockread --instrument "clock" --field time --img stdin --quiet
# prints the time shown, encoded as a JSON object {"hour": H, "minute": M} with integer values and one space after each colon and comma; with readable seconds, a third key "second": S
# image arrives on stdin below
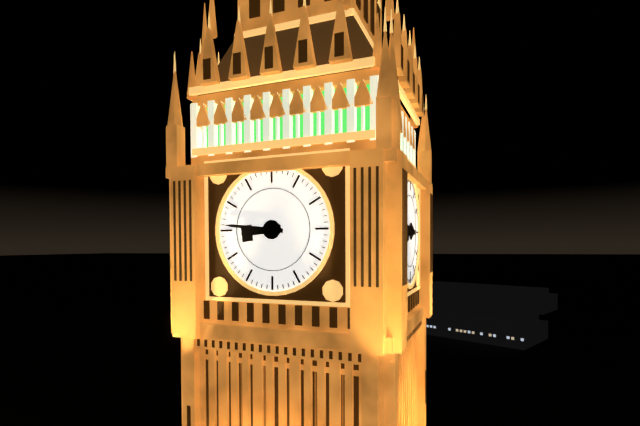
{"hour": 8, "minute": 46}
